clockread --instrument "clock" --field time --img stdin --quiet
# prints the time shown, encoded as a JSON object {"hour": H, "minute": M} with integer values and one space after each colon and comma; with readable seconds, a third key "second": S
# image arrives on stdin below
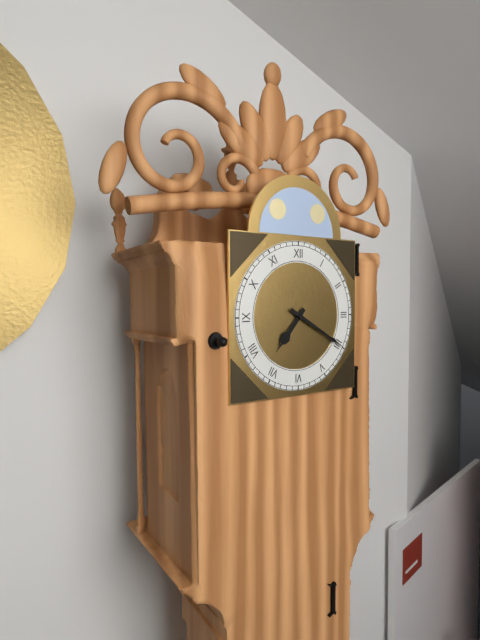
{"hour": 7, "minute": 20}
